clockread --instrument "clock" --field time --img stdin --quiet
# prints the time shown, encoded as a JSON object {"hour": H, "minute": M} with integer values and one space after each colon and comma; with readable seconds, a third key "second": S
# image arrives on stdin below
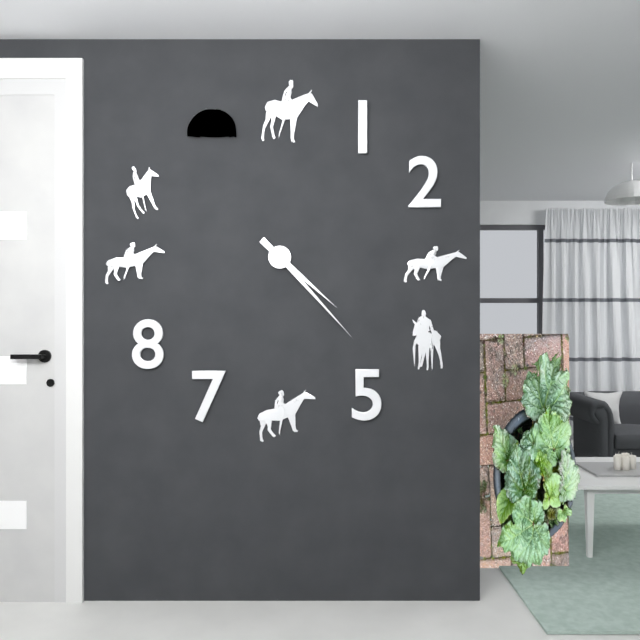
{"hour": 4, "minute": 23}
